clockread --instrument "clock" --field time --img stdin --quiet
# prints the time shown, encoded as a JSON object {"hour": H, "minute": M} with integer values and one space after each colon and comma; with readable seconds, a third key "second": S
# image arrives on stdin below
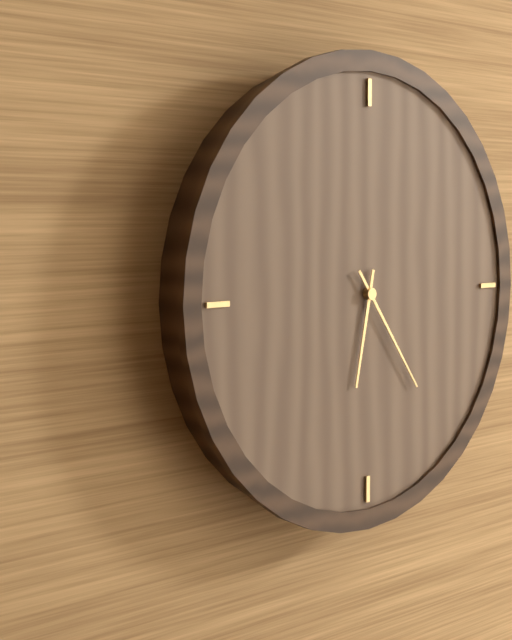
{"hour": 6, "minute": 24}
